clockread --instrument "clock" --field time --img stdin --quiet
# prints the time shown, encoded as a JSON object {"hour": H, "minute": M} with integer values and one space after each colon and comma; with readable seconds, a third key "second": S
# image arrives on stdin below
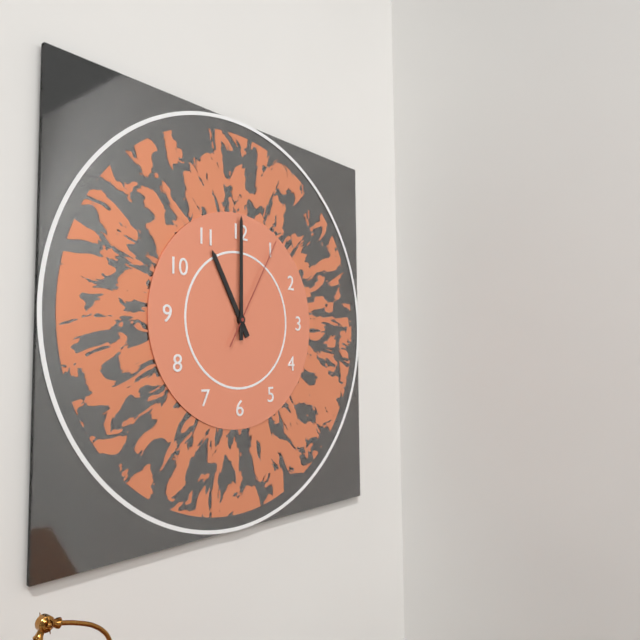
{"hour": 11, "minute": 0, "second": 5}
